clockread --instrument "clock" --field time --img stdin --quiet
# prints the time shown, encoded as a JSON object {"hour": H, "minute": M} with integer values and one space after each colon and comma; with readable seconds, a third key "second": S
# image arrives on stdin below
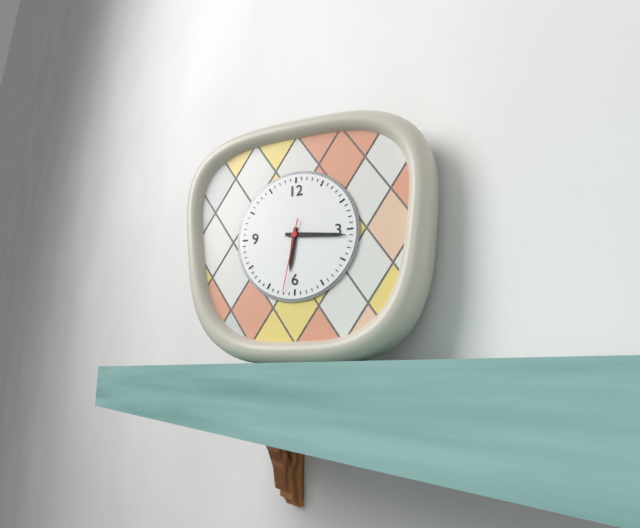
{"hour": 6, "minute": 16, "second": 32}
